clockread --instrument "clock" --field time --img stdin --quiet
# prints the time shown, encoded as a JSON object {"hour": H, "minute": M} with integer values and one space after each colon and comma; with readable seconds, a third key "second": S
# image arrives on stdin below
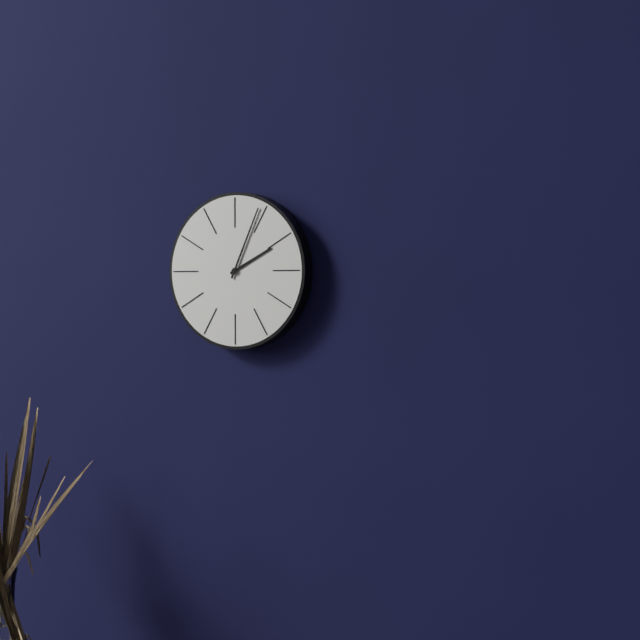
{"hour": 2, "minute": 4}
